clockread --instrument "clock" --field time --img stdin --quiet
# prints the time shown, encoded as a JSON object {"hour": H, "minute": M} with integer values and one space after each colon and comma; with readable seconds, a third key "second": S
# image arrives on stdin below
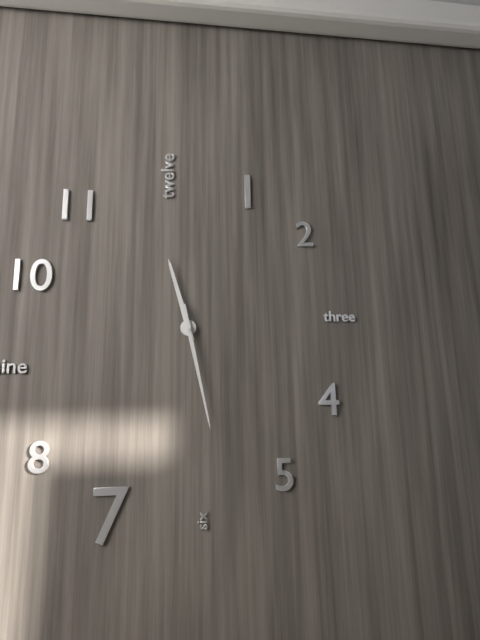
{"hour": 11, "minute": 28}
